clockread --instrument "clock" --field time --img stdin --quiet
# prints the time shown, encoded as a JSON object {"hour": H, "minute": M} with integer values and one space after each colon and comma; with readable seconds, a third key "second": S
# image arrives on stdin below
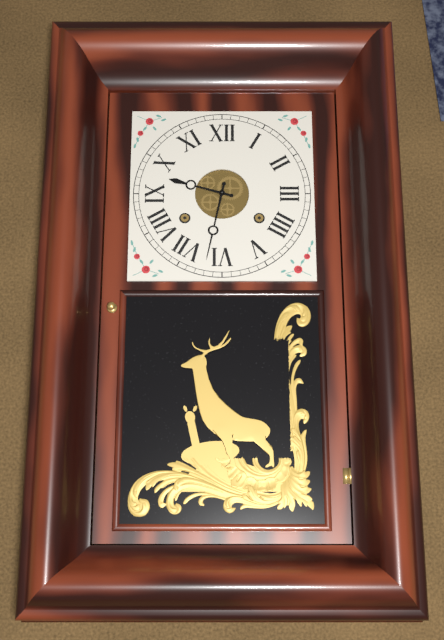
{"hour": 9, "minute": 32}
